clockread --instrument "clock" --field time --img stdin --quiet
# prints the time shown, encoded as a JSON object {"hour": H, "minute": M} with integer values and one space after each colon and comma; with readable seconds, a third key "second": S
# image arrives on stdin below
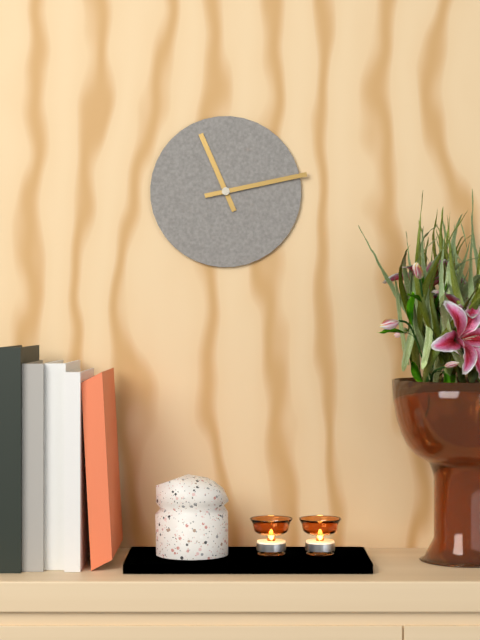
{"hour": 11, "minute": 13}
